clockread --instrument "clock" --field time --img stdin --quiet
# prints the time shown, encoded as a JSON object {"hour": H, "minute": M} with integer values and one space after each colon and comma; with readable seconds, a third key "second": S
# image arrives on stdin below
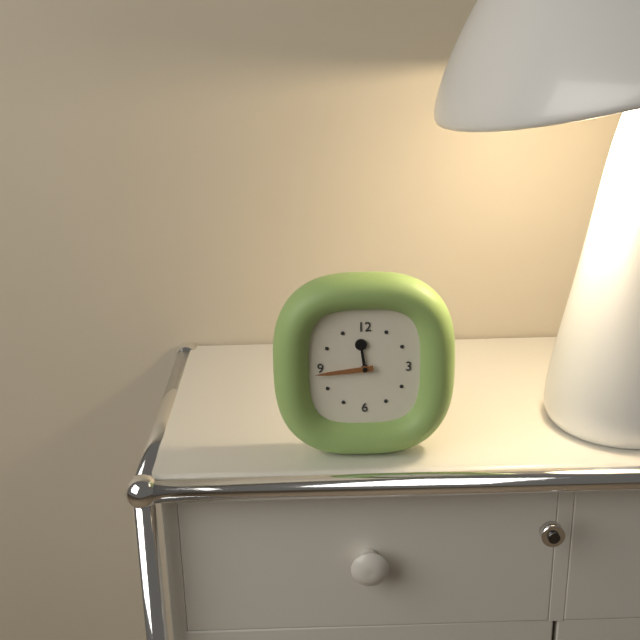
{"hour": 11, "minute": 44}
